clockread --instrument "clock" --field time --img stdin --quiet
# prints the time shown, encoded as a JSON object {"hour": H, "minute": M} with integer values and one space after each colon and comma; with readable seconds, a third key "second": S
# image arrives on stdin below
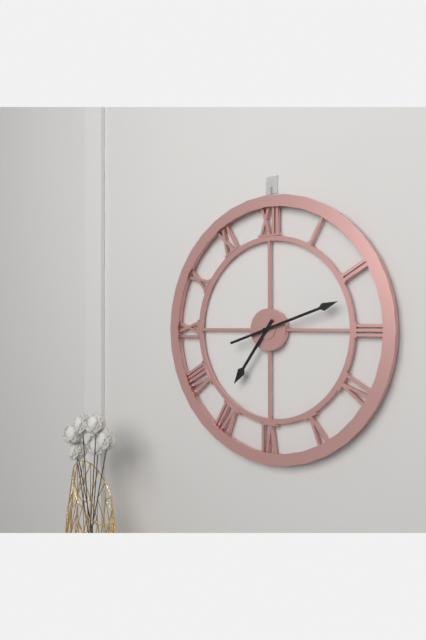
{"hour": 7, "minute": 12}
